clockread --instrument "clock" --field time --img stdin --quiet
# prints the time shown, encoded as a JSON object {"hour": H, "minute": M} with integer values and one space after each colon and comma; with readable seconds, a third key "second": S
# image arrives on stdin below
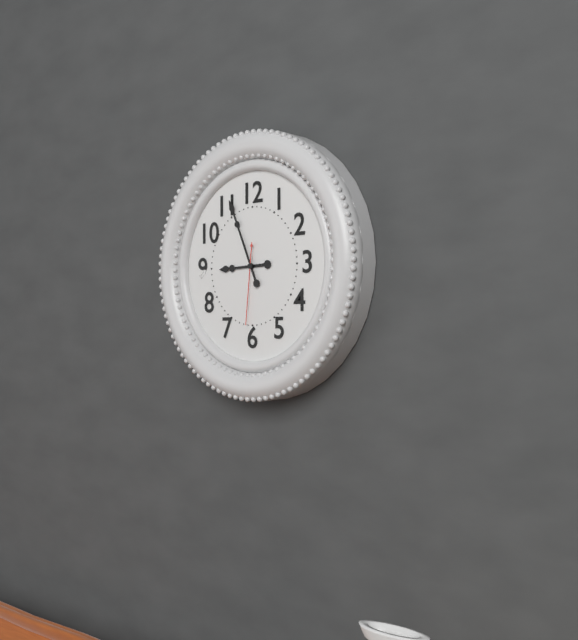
{"hour": 8, "minute": 56, "second": 31}
